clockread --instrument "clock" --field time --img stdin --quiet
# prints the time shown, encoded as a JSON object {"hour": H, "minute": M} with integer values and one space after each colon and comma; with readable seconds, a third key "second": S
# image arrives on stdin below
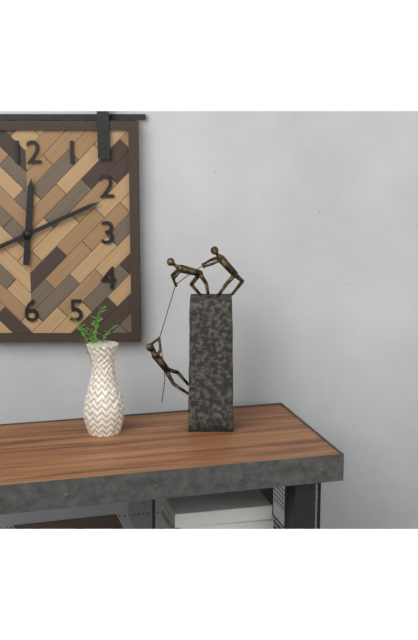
{"hour": 12, "minute": 11}
